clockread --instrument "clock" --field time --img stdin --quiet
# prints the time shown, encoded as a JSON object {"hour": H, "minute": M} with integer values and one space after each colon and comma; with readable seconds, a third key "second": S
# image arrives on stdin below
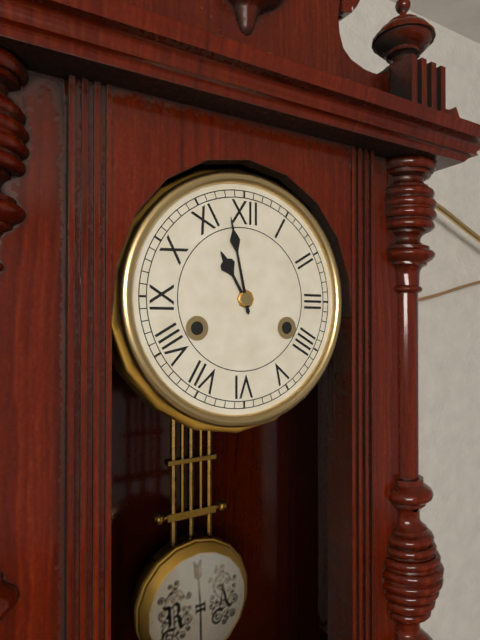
{"hour": 10, "minute": 58}
